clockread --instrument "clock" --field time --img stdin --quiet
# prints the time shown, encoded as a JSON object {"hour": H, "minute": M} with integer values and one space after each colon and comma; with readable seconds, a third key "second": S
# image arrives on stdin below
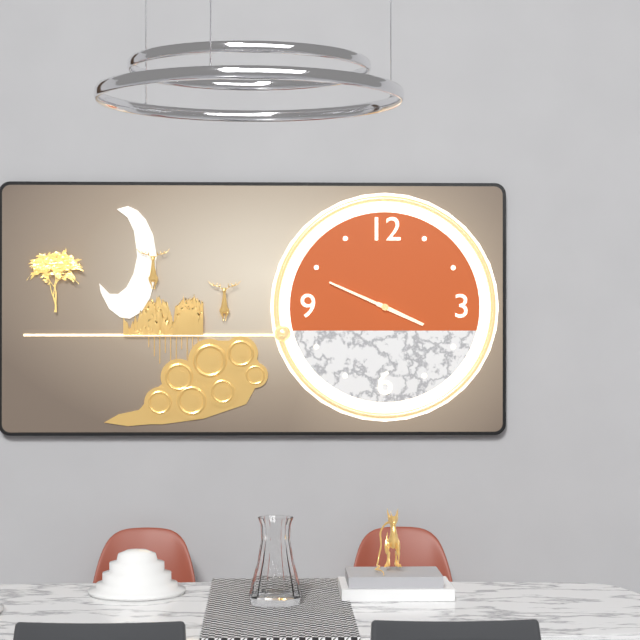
{"hour": 3, "minute": 49}
